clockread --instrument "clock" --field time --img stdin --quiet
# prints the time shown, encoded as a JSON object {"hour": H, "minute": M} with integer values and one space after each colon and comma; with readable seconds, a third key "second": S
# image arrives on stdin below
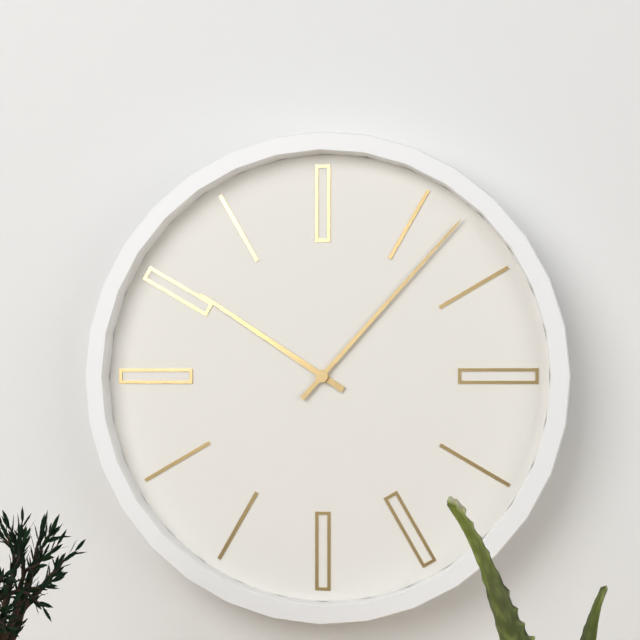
{"hour": 10, "minute": 7}
